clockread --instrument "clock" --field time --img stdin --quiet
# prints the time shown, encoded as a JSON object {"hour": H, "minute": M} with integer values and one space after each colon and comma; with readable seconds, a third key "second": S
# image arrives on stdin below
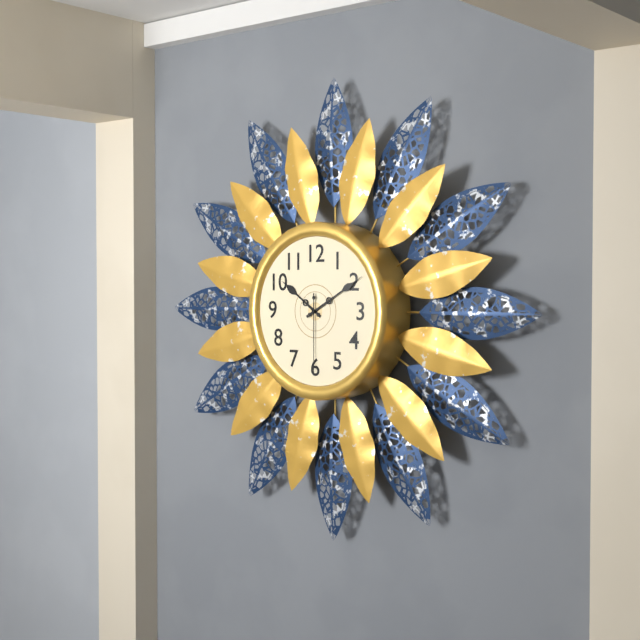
{"hour": 10, "minute": 10, "second": 30}
